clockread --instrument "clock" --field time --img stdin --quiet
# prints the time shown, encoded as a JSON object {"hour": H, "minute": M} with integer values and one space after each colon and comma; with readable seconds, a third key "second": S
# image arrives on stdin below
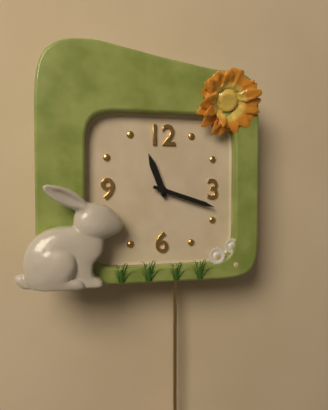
{"hour": 11, "minute": 18}
